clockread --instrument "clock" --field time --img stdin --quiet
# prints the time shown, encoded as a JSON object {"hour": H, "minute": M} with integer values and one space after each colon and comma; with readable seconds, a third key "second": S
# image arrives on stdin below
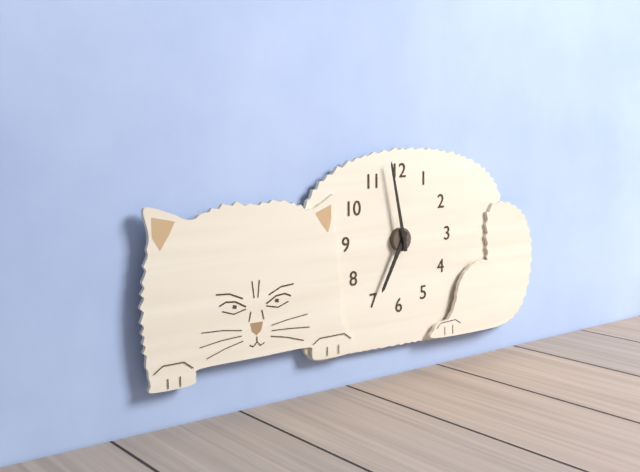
{"hour": 6, "minute": 58}
